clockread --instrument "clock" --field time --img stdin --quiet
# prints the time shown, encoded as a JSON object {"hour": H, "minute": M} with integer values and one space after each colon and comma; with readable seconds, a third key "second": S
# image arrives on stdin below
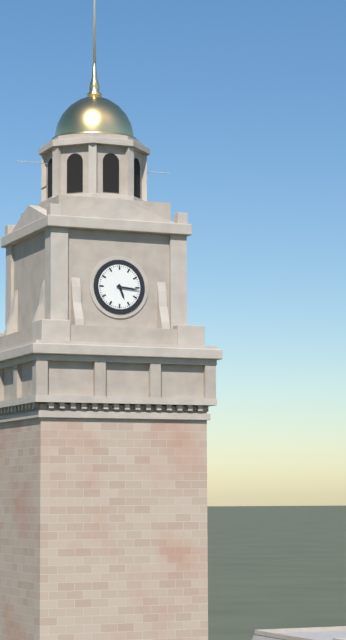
{"hour": 5, "minute": 16}
